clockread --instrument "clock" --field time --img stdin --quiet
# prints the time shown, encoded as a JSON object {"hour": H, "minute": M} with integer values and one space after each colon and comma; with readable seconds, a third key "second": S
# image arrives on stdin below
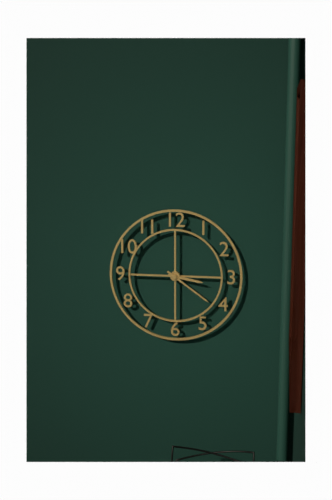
{"hour": 3, "minute": 21}
